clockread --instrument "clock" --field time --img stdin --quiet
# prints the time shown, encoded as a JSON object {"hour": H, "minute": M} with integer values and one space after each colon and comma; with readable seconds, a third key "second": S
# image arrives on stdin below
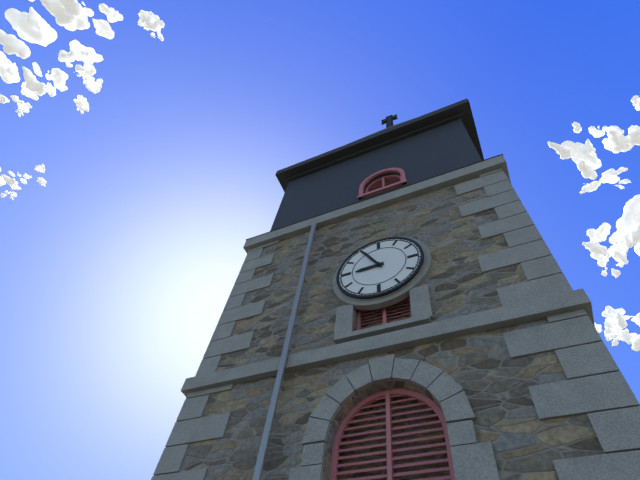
{"hour": 8, "minute": 55}
